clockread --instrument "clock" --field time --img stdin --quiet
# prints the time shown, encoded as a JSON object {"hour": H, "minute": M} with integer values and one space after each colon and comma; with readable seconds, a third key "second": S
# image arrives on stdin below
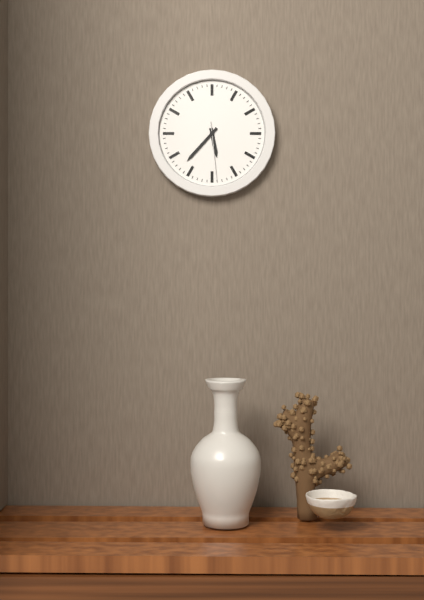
{"hour": 5, "minute": 37, "second": 29}
